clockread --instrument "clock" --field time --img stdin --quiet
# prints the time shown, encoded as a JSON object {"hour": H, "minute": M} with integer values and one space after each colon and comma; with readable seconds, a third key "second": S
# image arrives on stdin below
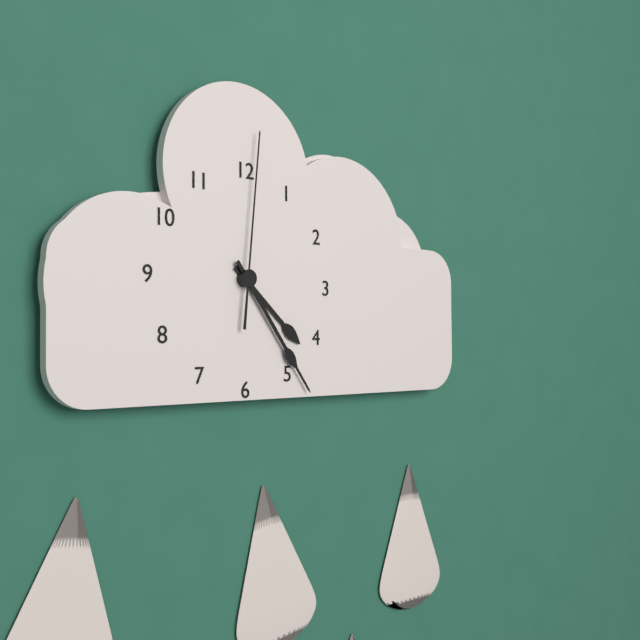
{"hour": 4, "minute": 24, "second": 1}
